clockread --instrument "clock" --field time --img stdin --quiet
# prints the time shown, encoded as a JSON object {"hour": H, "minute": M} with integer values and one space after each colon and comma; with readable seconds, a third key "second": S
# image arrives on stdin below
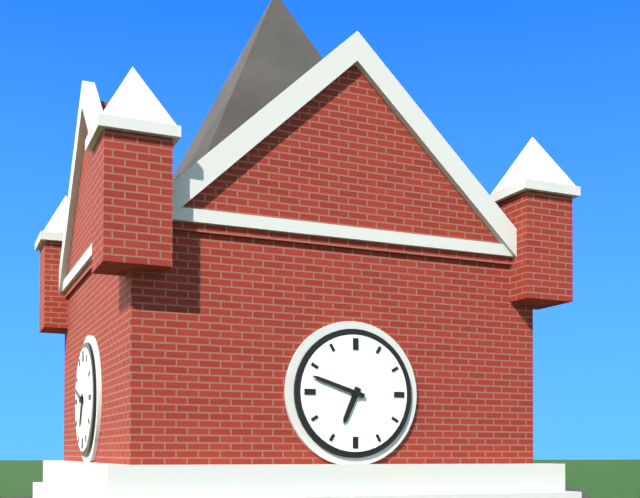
{"hour": 6, "minute": 48}
